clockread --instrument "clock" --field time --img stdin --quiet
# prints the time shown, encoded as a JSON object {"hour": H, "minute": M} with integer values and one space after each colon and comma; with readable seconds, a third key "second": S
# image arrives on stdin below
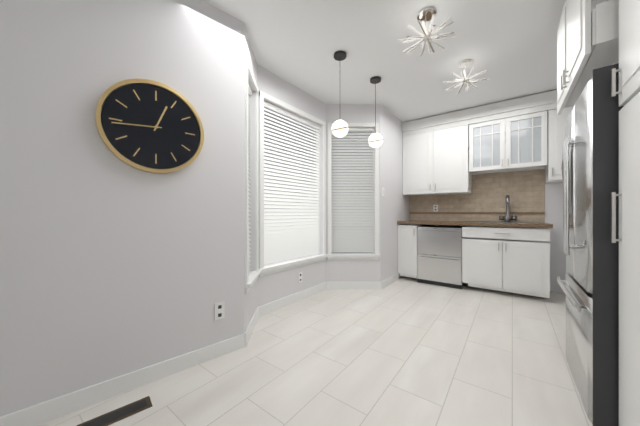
{"hour": 12, "minute": 44}
